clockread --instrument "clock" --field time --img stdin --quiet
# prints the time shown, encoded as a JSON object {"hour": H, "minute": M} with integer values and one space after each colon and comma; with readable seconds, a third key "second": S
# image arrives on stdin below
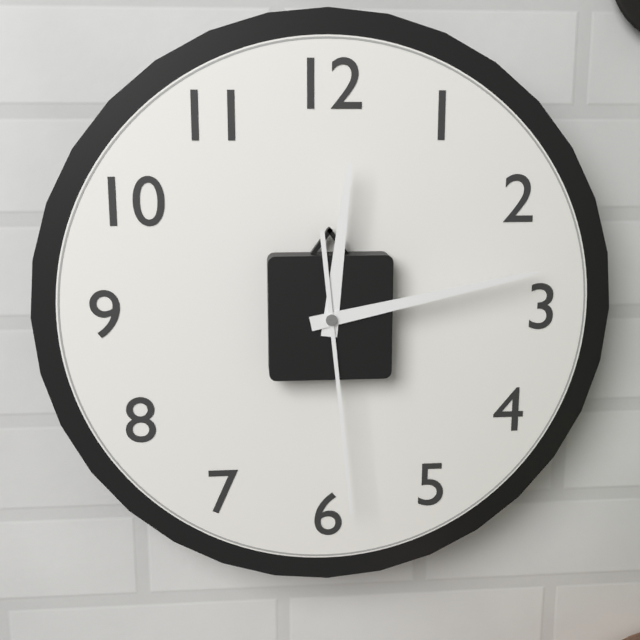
{"hour": 12, "minute": 13, "second": 29}
